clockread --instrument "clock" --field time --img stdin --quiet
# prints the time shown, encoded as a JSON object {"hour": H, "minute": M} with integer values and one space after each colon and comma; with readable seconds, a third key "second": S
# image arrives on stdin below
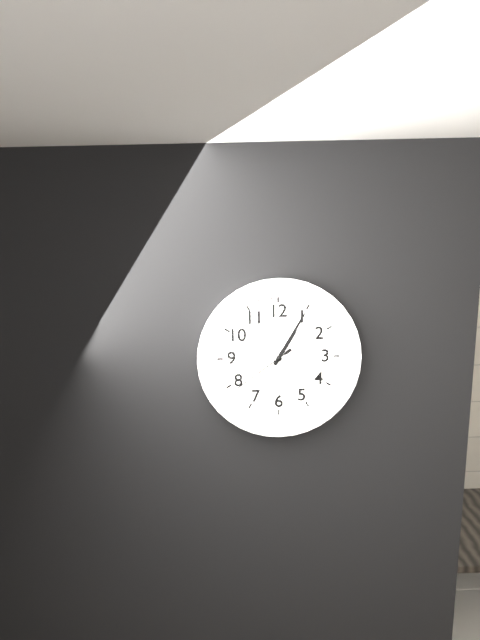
{"hour": 1, "minute": 5, "second": 39}
